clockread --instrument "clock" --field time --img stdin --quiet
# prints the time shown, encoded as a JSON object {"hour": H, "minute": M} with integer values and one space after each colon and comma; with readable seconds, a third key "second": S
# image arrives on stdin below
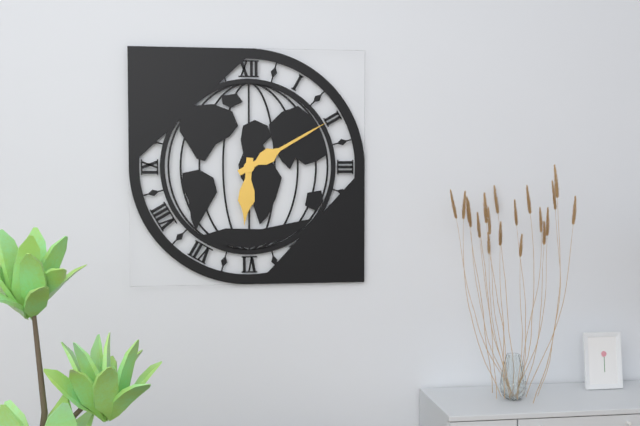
{"hour": 6, "minute": 10}
